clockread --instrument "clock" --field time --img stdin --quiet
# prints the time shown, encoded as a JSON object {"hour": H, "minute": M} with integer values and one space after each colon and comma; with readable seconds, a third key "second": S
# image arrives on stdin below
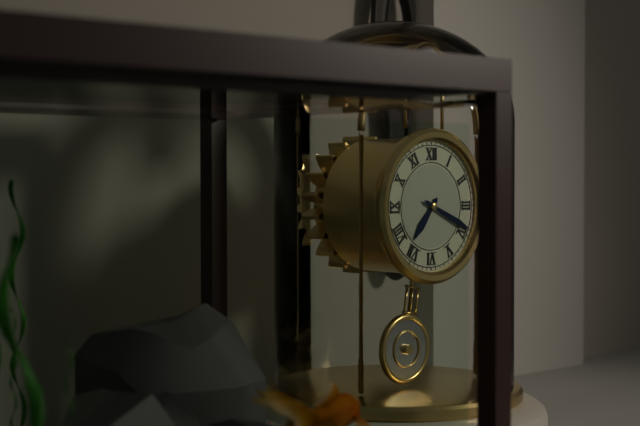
{"hour": 7, "minute": 19}
